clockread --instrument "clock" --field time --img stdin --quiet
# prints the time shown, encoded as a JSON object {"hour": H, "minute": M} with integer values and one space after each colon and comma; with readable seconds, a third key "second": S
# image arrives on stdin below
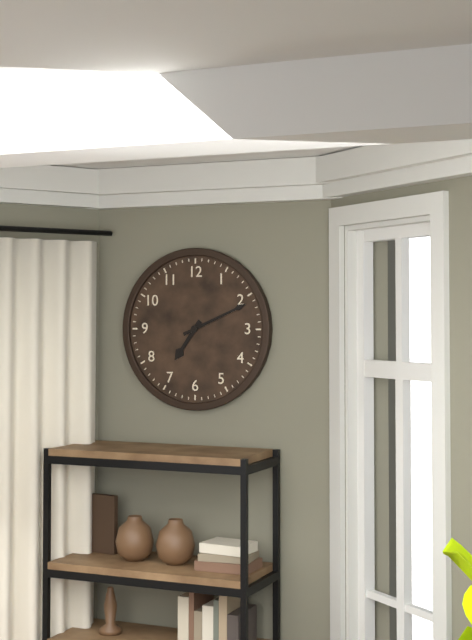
{"hour": 7, "minute": 11}
